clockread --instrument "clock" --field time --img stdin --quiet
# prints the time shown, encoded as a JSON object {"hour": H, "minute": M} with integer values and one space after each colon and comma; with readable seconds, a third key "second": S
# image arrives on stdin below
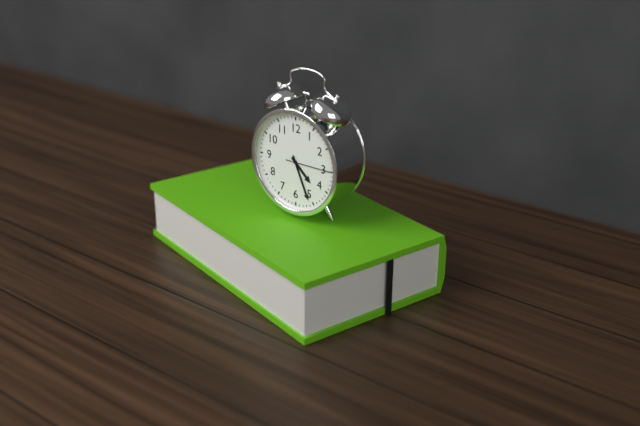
{"hour": 4, "minute": 26}
